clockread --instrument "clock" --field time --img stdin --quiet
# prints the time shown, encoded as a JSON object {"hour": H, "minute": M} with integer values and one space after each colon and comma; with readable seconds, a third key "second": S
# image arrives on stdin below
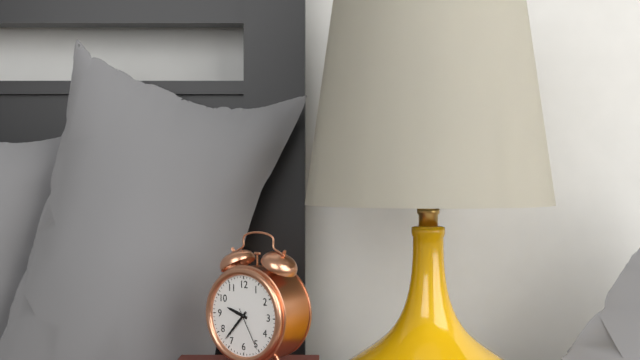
{"hour": 9, "minute": 37}
